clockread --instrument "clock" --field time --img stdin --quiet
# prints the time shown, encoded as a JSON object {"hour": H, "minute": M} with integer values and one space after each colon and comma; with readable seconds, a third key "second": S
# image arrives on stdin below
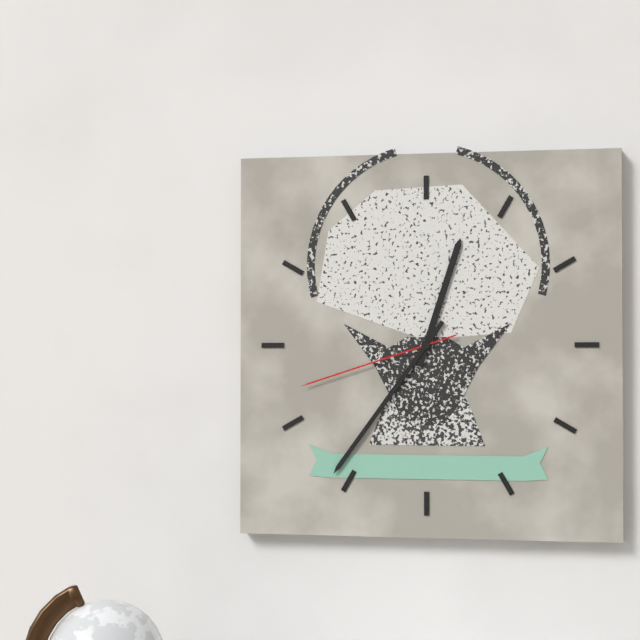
{"hour": 12, "minute": 36, "second": 42}
